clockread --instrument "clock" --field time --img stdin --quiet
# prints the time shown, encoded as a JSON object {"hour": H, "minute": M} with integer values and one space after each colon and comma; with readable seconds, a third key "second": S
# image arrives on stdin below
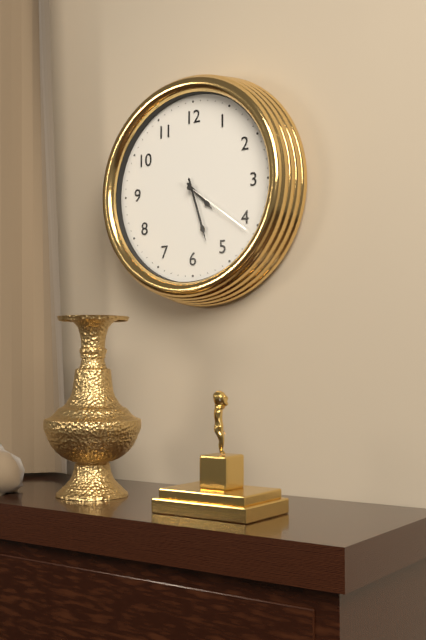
{"hour": 4, "minute": 27, "second": 21}
